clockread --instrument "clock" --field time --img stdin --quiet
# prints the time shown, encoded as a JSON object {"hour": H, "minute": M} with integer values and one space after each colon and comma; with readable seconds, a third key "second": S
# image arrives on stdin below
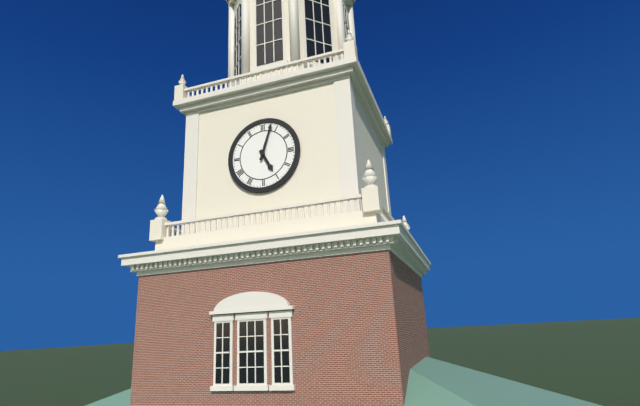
{"hour": 5, "minute": 3}
